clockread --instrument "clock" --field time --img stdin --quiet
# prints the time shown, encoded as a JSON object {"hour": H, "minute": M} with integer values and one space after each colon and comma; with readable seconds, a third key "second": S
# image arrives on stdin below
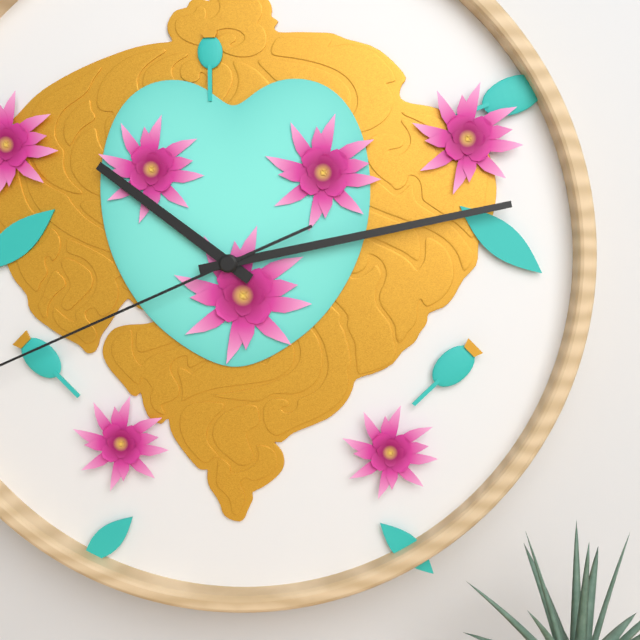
{"hour": 10, "minute": 13}
